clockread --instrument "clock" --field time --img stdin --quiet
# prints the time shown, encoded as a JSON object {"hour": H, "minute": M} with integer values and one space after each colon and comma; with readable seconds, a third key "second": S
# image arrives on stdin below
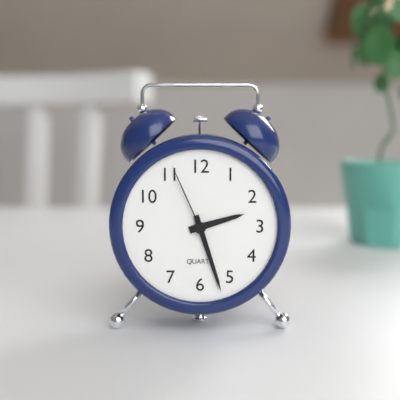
{"hour": 2, "minute": 27, "second": 56}
